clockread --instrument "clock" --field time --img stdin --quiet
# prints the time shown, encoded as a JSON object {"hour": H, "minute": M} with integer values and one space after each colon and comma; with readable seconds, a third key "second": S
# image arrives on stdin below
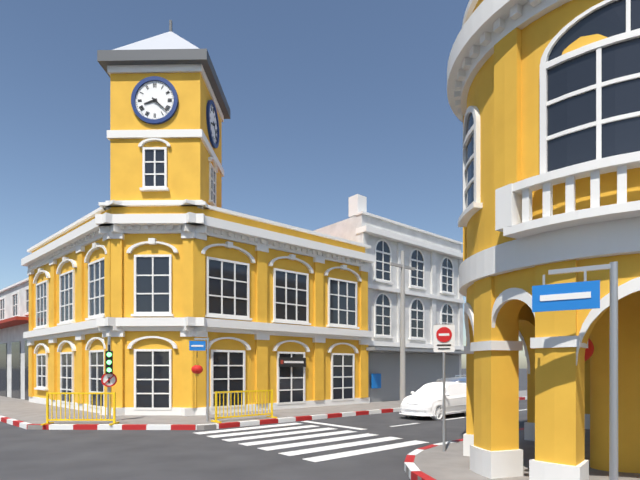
{"hour": 8, "minute": 22}
